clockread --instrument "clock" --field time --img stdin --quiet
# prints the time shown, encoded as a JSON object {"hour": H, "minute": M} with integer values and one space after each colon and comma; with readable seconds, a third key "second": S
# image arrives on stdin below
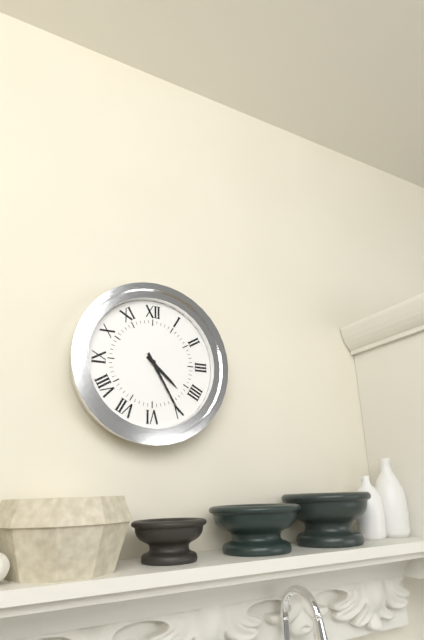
{"hour": 4, "minute": 25}
